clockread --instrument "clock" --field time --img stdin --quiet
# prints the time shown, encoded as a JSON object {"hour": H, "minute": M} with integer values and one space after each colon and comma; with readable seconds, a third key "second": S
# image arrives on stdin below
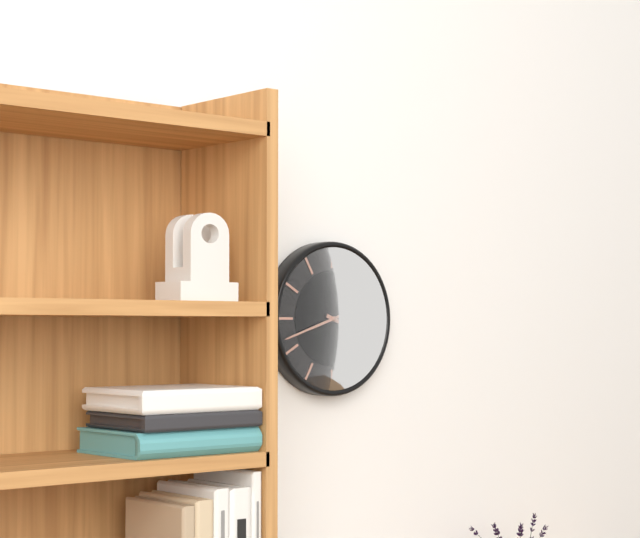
{"hour": 3, "minute": 42}
